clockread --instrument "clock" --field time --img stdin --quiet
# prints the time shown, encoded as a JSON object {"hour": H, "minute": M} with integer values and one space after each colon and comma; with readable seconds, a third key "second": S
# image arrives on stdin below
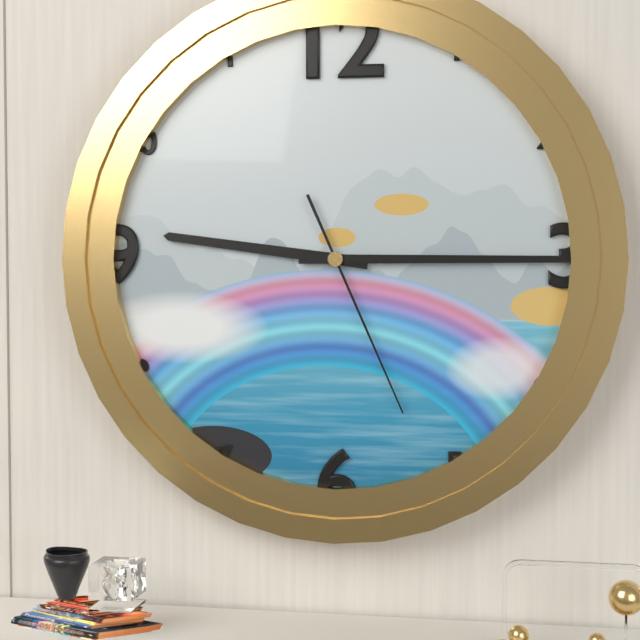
{"hour": 9, "minute": 15, "second": 26}
